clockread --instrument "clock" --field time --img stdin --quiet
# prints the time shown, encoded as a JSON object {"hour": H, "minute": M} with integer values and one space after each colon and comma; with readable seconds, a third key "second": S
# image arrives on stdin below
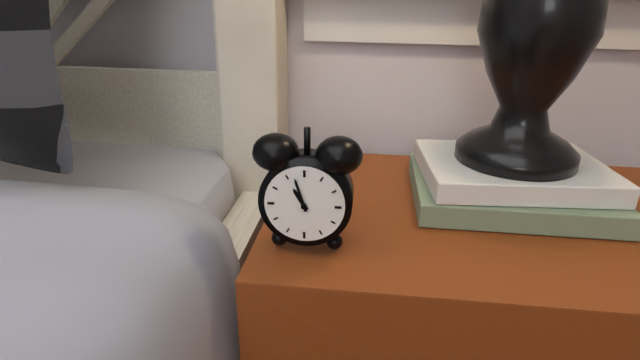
{"hour": 10, "minute": 57}
